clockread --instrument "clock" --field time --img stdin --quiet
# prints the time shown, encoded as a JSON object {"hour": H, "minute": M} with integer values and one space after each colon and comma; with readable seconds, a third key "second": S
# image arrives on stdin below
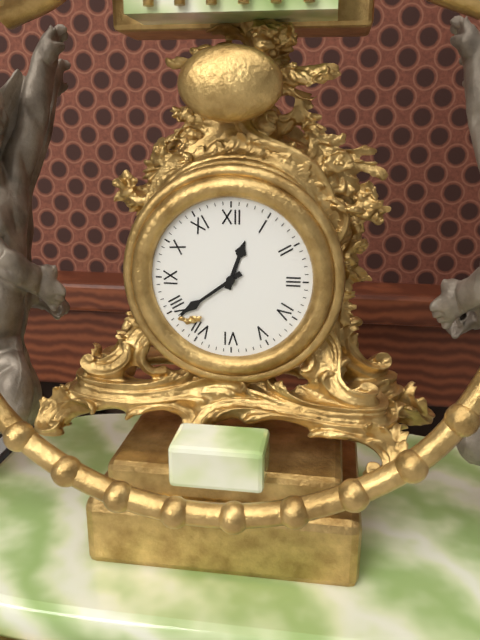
{"hour": 12, "minute": 39}
